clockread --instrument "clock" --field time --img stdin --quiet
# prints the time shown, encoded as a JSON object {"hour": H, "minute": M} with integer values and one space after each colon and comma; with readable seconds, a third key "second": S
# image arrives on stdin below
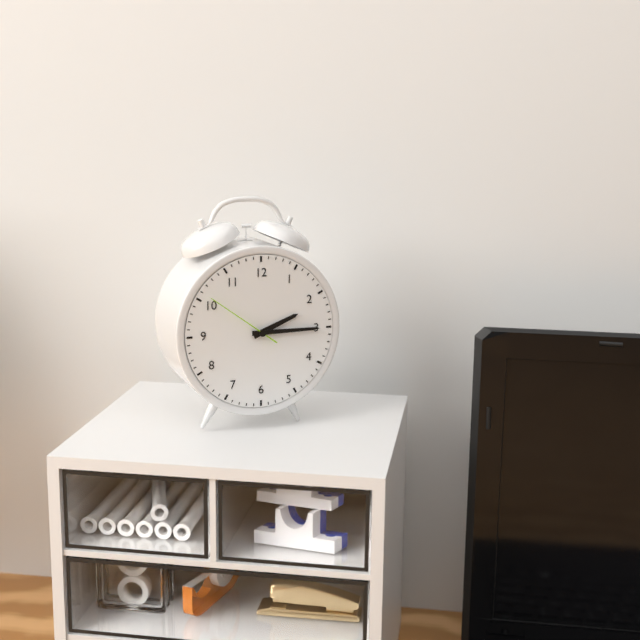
{"hour": 2, "minute": 15, "second": 51}
